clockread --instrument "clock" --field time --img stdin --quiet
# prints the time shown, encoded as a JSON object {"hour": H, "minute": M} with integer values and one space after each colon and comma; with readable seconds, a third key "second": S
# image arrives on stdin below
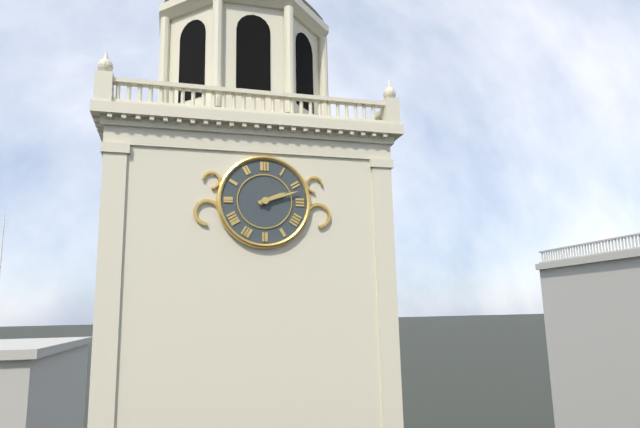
{"hour": 2, "minute": 12}
